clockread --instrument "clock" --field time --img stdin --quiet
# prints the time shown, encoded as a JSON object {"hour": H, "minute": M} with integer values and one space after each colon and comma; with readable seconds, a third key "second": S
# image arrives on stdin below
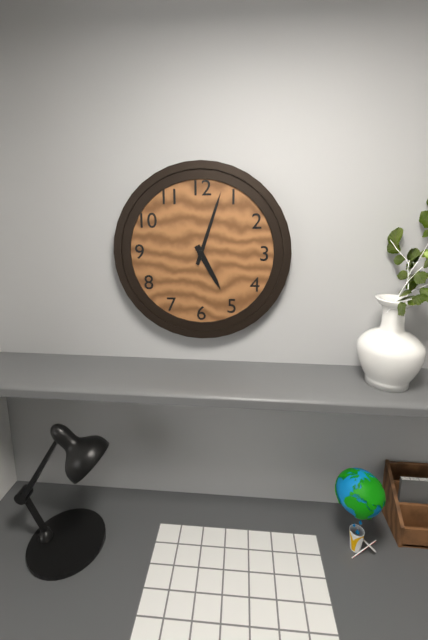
{"hour": 5, "minute": 3}
